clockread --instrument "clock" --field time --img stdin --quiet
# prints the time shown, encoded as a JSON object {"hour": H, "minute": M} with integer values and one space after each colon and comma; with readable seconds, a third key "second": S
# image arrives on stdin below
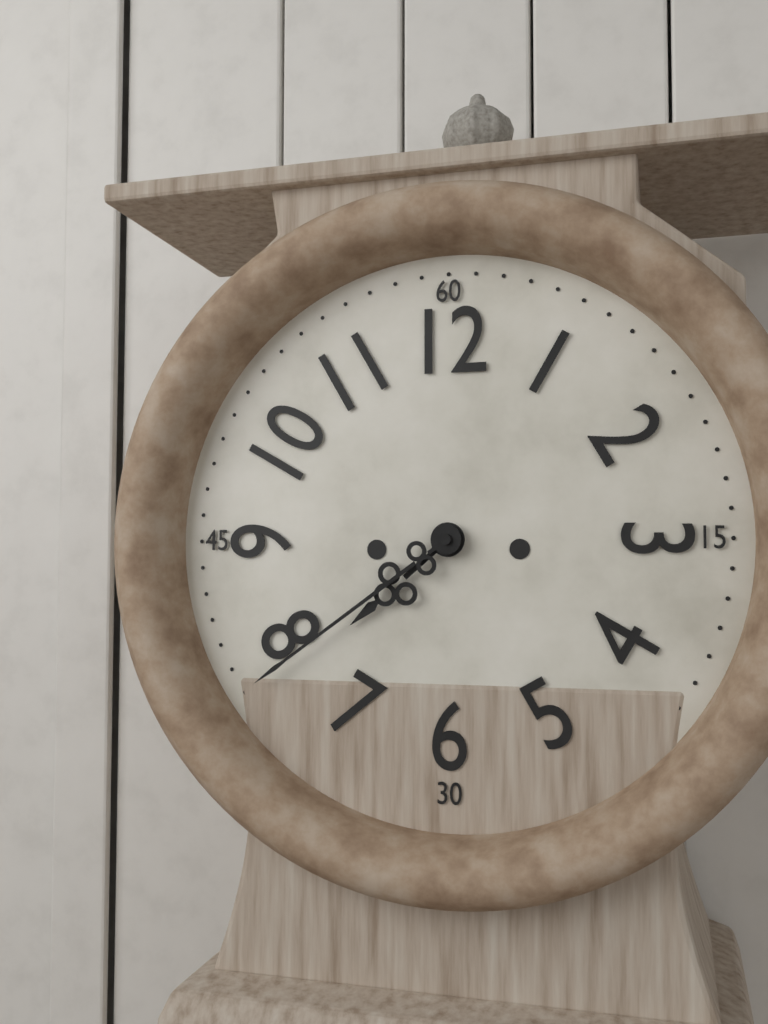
{"hour": 7, "minute": 39}
